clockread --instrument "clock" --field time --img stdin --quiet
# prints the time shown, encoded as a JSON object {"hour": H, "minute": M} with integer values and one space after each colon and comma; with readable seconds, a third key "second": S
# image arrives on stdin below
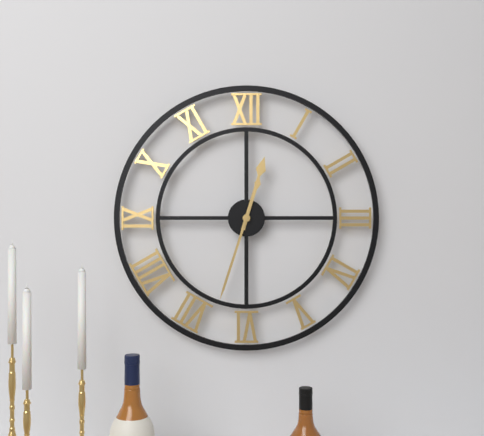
{"hour": 12, "minute": 33}
